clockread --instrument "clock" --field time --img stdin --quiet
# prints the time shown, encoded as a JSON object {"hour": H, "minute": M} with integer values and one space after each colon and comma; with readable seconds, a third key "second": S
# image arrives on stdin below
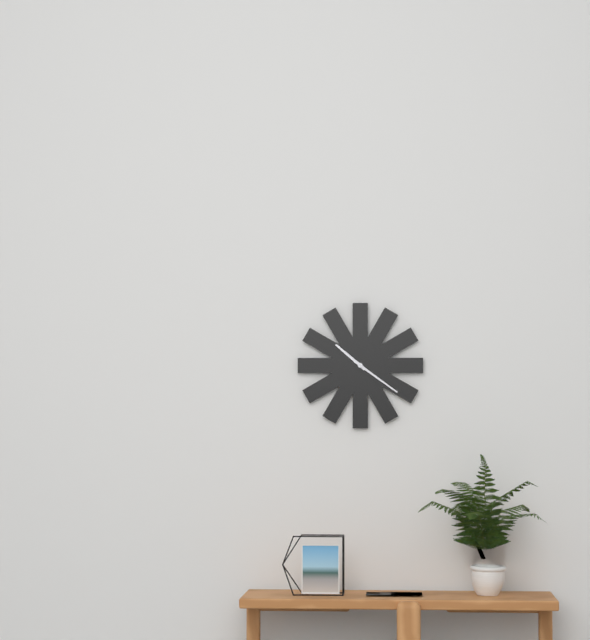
{"hour": 10, "minute": 21}
